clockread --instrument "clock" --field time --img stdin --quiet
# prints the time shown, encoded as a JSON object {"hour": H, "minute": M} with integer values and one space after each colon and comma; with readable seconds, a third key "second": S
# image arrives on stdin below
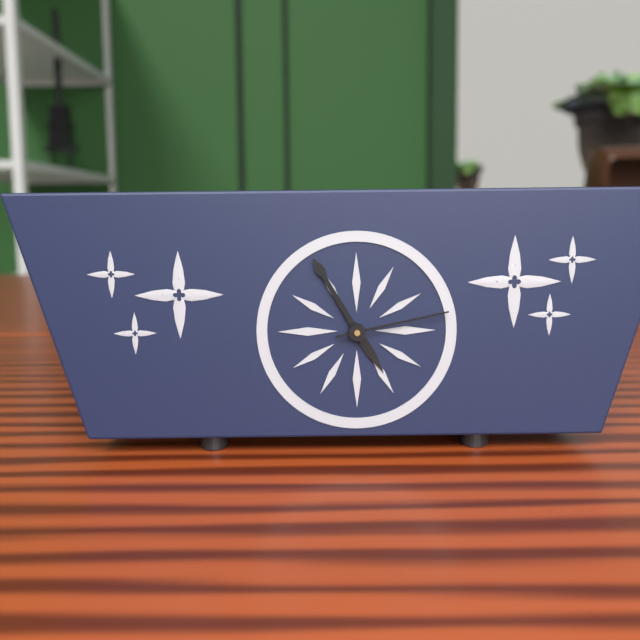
{"hour": 4, "minute": 55, "second": 13}
